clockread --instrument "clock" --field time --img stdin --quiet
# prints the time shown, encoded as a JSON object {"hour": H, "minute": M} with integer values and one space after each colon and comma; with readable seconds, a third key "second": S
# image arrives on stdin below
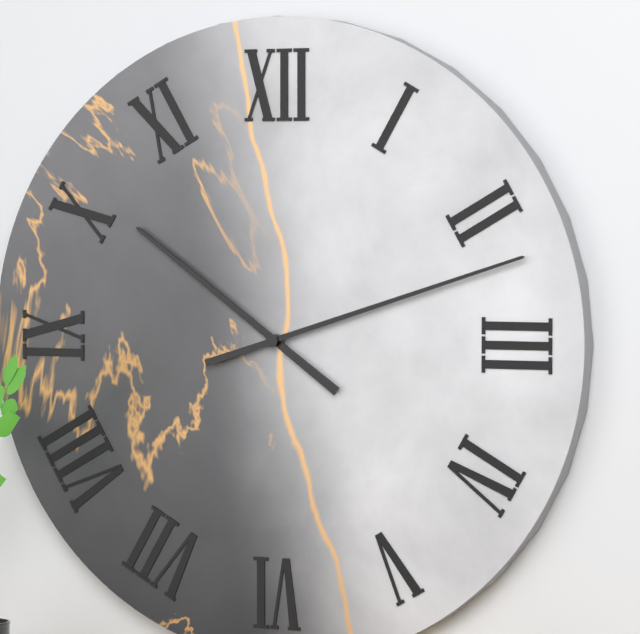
{"hour": 10, "minute": 12}
